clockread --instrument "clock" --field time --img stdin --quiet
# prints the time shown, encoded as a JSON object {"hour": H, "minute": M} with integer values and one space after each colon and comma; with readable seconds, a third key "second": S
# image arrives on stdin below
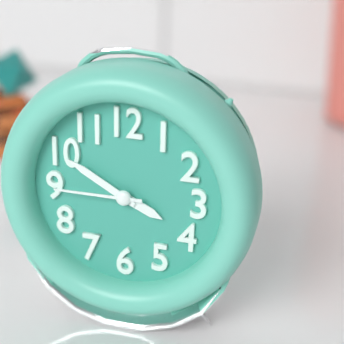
{"hour": 3, "minute": 50, "second": 45}
